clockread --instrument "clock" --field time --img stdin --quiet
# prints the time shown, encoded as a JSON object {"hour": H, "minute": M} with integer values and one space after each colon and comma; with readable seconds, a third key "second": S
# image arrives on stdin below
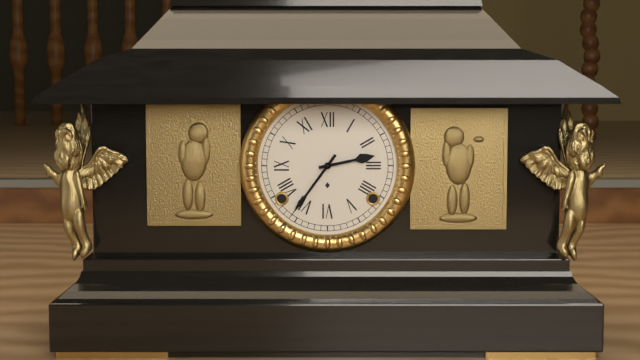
{"hour": 2, "minute": 36}
